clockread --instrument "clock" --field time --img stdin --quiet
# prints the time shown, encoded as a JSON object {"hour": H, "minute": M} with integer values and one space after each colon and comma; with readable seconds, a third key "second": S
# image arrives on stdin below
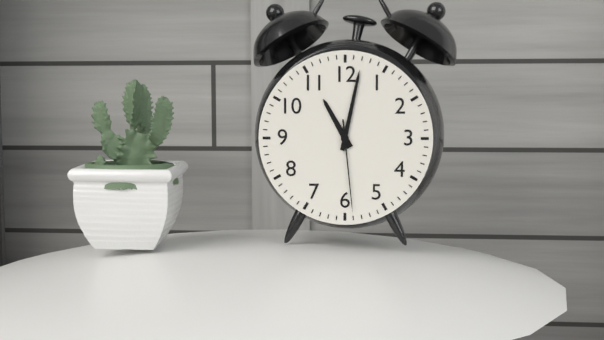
{"hour": 11, "minute": 2, "second": 29}
